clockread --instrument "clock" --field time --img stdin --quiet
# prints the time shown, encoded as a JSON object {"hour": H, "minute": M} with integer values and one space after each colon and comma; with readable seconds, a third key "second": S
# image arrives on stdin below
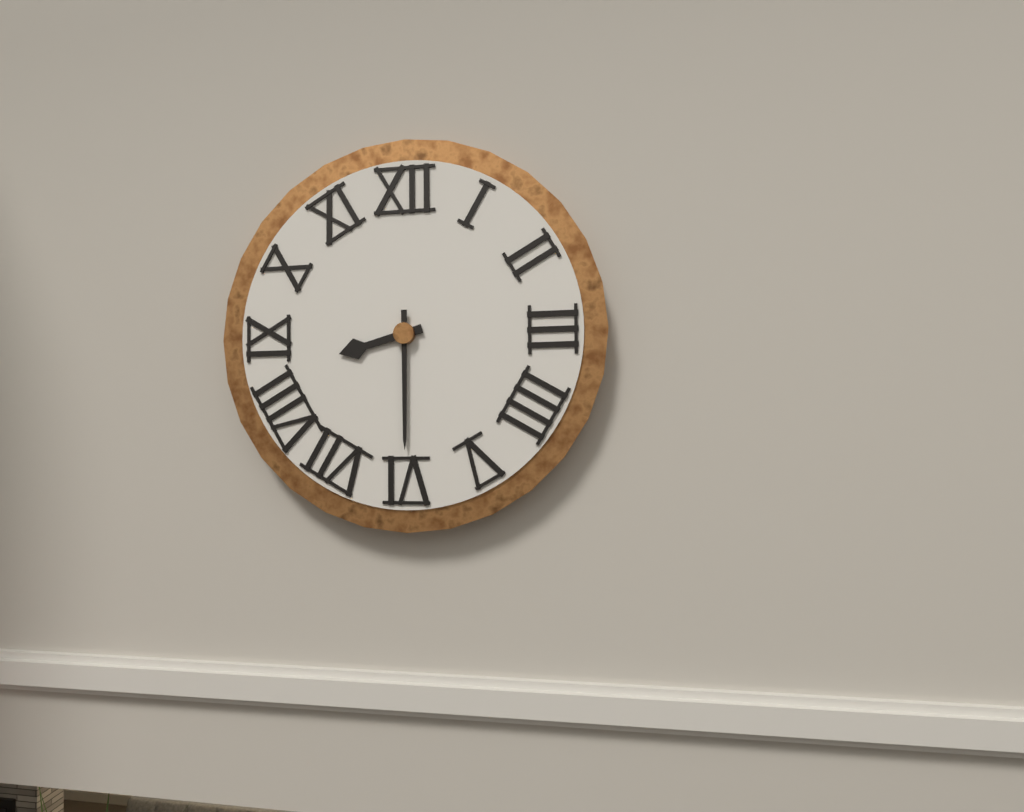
{"hour": 8, "minute": 30}
